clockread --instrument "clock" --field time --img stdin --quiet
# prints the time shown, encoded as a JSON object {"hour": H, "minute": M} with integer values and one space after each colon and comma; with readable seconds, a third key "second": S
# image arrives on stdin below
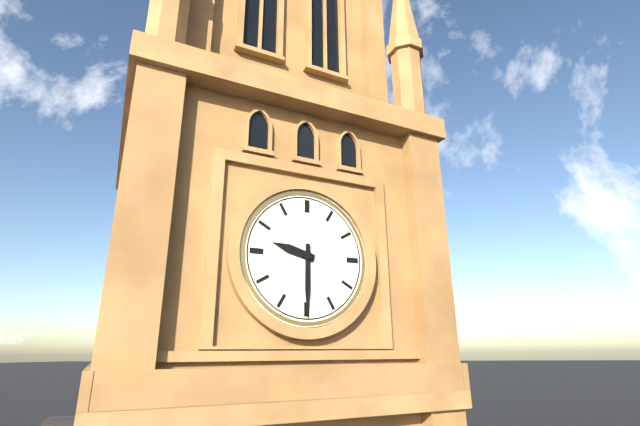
{"hour": 9, "minute": 30}
